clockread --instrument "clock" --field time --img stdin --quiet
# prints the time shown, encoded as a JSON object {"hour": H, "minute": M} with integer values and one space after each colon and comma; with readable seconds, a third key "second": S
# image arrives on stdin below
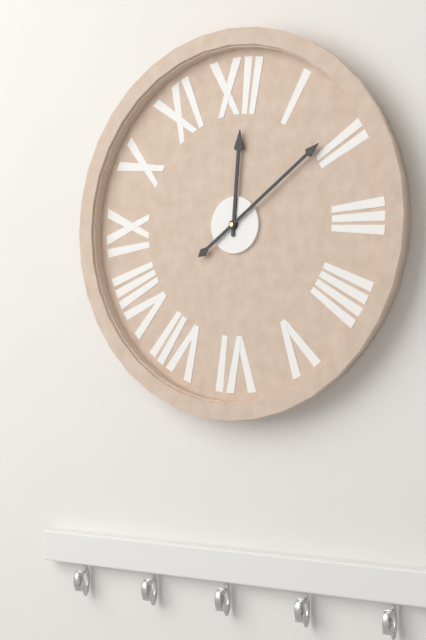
{"hour": 12, "minute": 9}
